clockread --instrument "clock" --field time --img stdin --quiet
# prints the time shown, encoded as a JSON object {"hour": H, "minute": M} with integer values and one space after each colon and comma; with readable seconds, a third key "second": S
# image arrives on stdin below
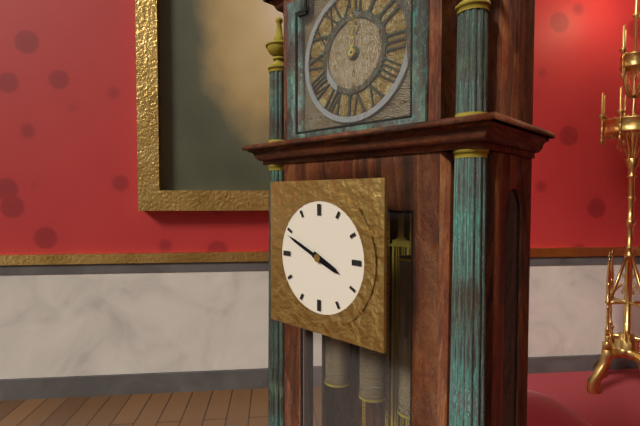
{"hour": 3, "minute": 49}
